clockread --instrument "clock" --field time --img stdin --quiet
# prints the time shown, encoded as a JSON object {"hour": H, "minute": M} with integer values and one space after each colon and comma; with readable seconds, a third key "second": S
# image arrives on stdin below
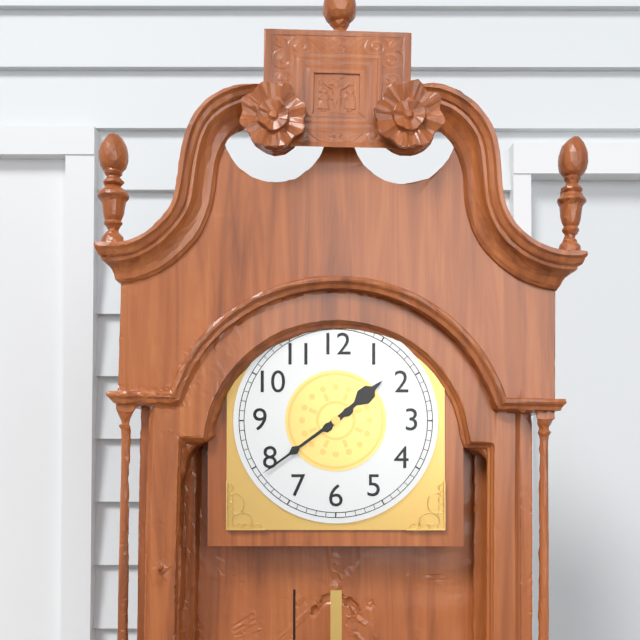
{"hour": 1, "minute": 39}
